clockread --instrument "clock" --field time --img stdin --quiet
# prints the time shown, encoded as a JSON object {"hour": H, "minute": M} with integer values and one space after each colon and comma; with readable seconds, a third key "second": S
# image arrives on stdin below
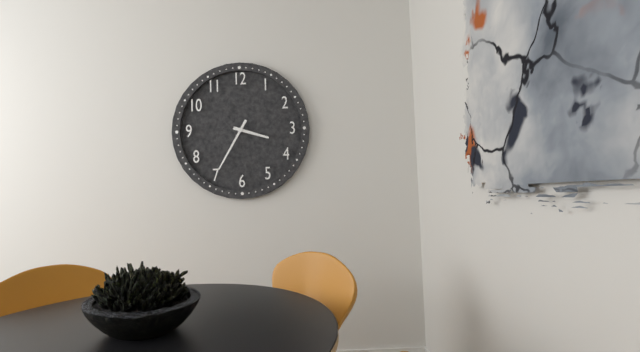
{"hour": 3, "minute": 35}
